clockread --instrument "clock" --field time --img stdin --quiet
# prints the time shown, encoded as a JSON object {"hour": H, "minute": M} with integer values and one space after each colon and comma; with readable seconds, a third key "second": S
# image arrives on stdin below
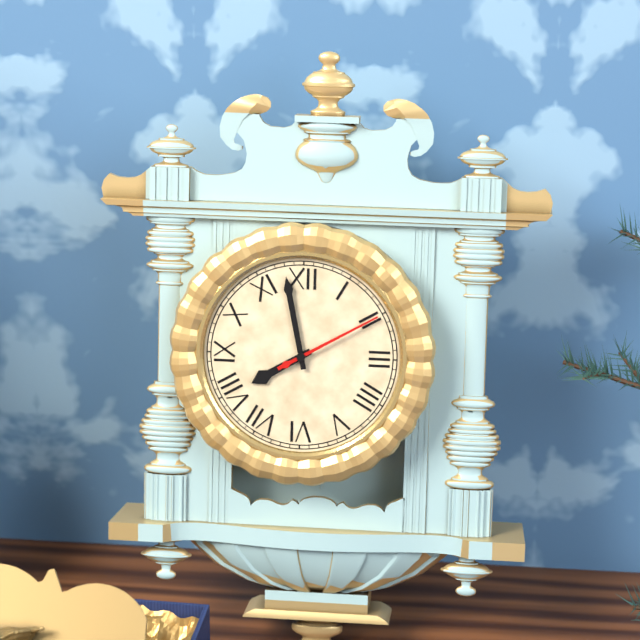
{"hour": 7, "minute": 58, "second": 10}
